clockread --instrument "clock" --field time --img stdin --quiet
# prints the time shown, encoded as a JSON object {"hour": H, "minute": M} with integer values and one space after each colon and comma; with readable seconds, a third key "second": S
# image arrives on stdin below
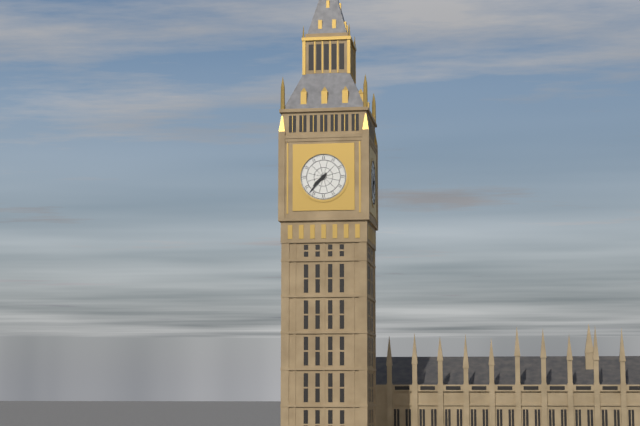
{"hour": 7, "minute": 37}
